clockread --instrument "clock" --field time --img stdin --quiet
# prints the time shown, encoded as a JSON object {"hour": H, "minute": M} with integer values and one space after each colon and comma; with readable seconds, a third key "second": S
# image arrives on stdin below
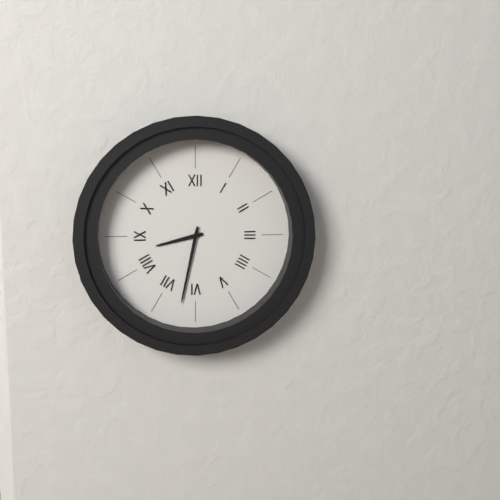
{"hour": 8, "minute": 32}
